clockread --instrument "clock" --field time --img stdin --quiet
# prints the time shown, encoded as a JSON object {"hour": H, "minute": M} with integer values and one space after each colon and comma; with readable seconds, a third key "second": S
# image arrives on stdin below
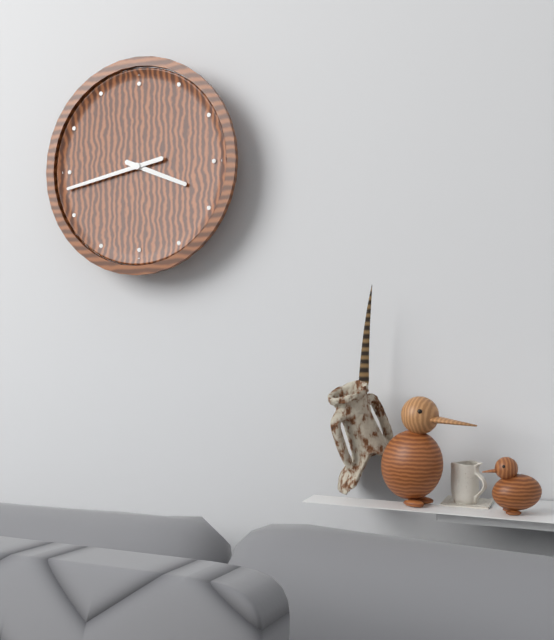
{"hour": 3, "minute": 43}
